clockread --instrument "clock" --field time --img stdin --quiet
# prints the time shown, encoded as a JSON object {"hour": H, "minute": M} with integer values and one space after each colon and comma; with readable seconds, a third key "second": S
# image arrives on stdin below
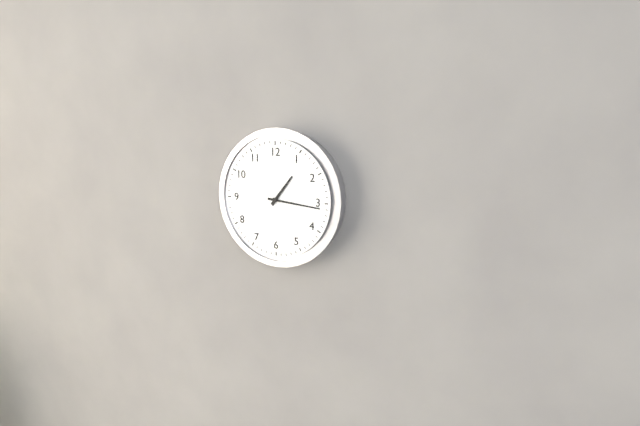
{"hour": 1, "minute": 16}
